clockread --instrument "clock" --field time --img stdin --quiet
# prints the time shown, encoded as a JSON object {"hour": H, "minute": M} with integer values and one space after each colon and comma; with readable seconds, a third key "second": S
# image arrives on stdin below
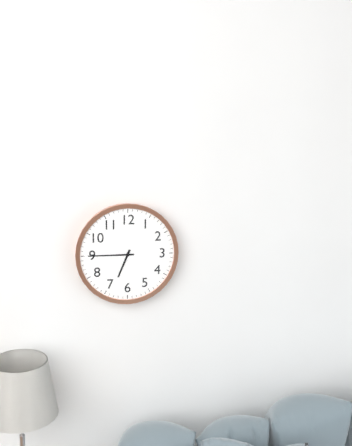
{"hour": 6, "minute": 45}
